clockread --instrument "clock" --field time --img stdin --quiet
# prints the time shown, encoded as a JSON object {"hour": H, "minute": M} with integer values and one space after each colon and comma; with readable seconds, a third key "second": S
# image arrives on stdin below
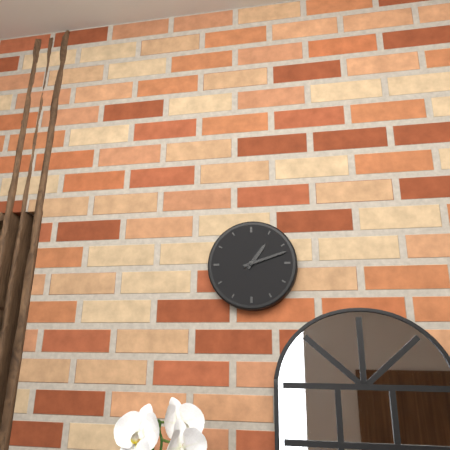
{"hour": 1, "minute": 12}
